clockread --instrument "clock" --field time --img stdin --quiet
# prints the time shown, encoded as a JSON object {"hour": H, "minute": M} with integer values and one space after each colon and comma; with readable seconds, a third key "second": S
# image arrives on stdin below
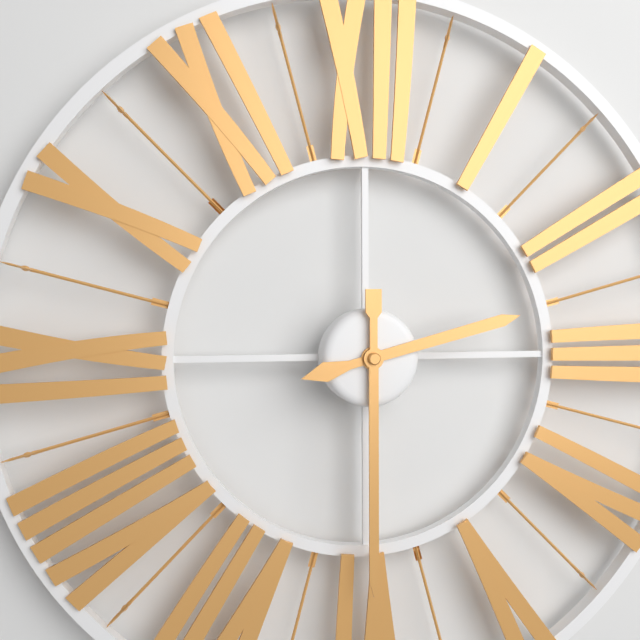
{"hour": 2, "minute": 30}
